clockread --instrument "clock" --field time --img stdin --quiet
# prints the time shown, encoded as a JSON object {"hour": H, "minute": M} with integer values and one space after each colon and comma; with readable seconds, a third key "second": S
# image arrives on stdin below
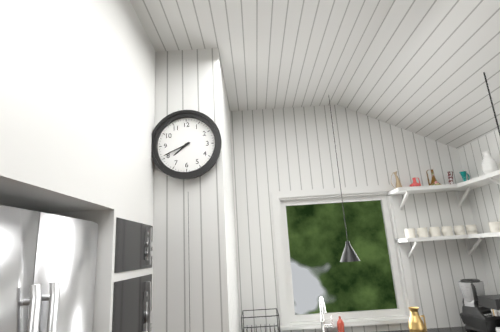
{"hour": 7, "minute": 41}
